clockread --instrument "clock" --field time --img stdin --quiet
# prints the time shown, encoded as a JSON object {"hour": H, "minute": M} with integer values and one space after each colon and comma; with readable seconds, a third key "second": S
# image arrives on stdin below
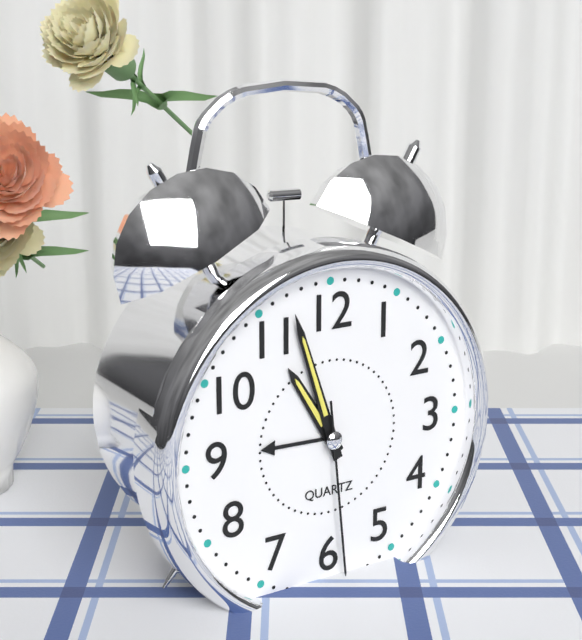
{"hour": 10, "minute": 57, "second": 29}
